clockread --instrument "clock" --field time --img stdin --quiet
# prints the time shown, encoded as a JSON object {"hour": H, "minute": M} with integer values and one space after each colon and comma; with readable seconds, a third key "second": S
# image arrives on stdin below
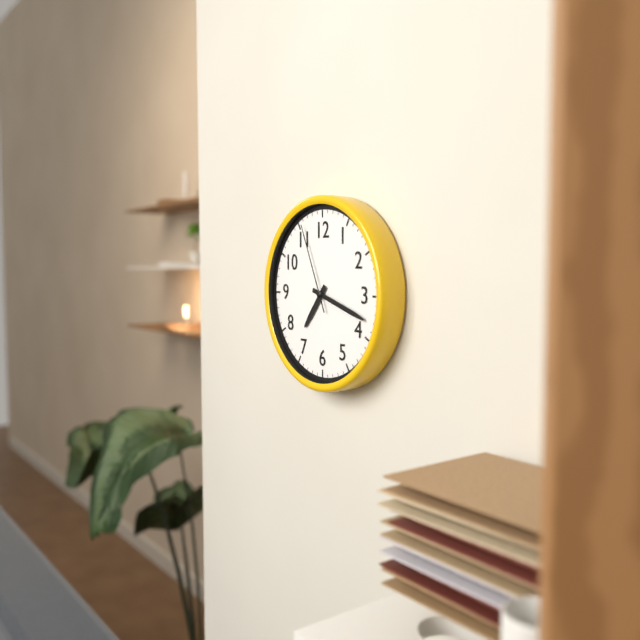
{"hour": 7, "minute": 18, "second": 56}
